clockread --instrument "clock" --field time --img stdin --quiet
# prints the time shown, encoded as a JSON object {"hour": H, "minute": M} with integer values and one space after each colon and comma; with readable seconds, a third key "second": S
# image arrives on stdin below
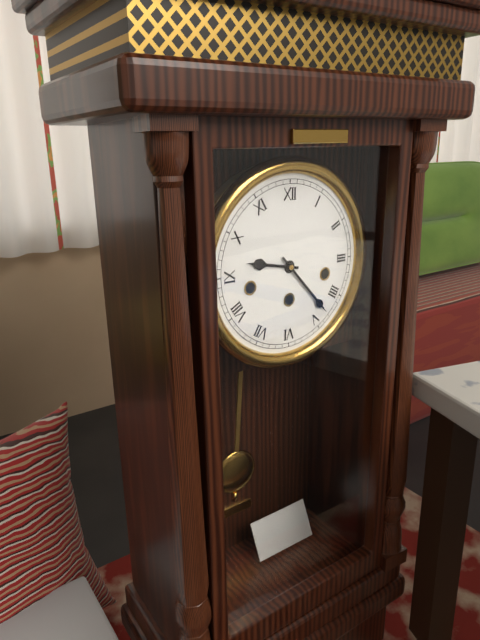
{"hour": 9, "minute": 23}
